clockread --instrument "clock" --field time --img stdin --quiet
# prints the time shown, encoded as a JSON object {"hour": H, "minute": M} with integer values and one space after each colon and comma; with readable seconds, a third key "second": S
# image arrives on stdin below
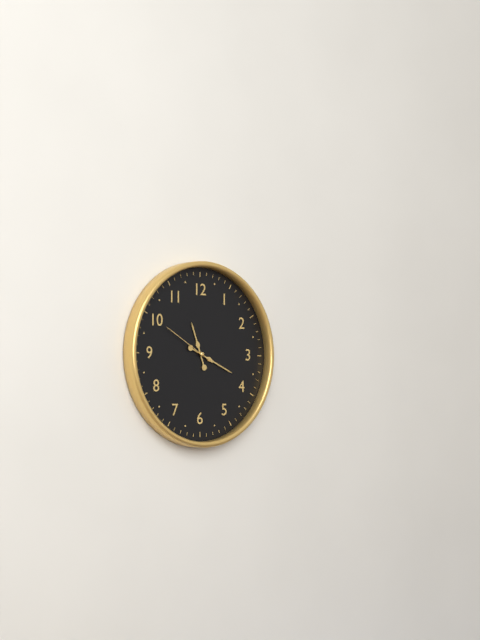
{"hour": 11, "minute": 19, "second": 50}
